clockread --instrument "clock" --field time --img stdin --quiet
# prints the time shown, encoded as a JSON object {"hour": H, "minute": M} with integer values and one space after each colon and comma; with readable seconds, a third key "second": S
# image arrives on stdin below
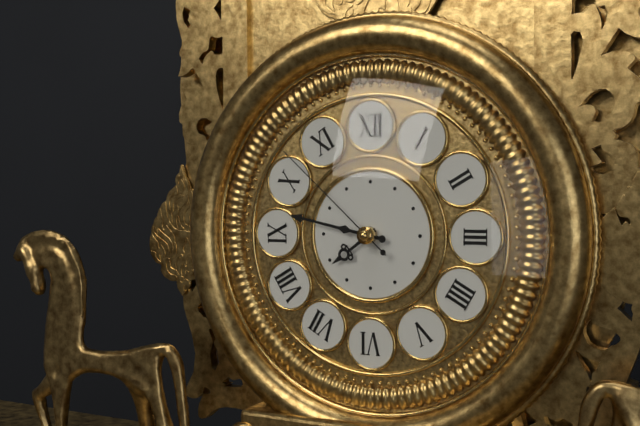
{"hour": 7, "minute": 47, "second": 52}
